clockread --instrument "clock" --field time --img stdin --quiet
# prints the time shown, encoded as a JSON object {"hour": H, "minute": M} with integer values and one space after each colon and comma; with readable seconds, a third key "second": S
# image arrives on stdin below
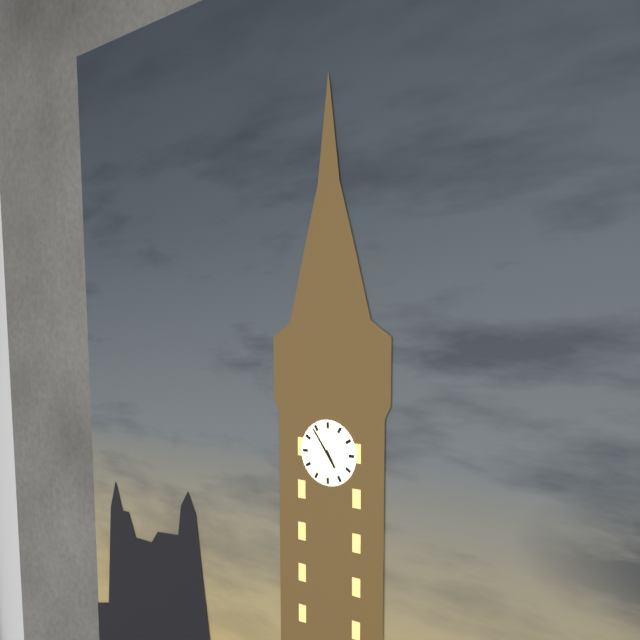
{"hour": 4, "minute": 54}
